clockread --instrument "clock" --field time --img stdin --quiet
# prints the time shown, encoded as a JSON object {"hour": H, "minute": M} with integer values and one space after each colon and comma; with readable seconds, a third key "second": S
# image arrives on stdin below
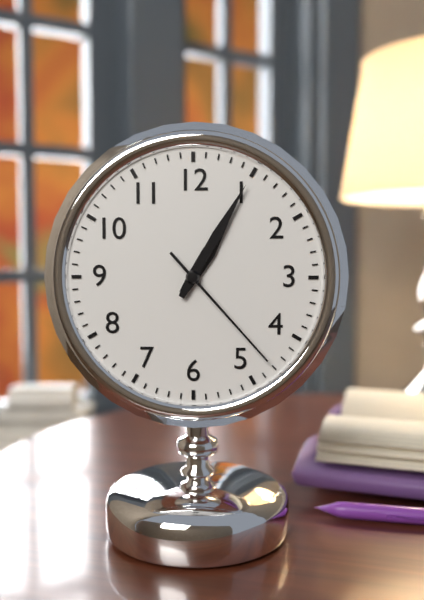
{"hour": 1, "minute": 5, "second": 23}
